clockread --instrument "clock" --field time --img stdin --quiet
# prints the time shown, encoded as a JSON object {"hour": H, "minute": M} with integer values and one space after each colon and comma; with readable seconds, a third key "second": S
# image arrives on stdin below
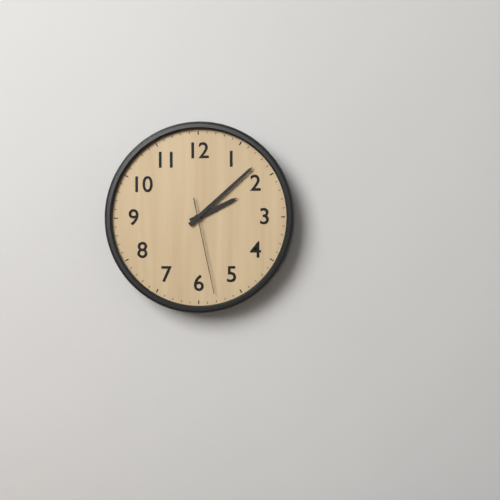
{"hour": 2, "minute": 8, "second": 28}
